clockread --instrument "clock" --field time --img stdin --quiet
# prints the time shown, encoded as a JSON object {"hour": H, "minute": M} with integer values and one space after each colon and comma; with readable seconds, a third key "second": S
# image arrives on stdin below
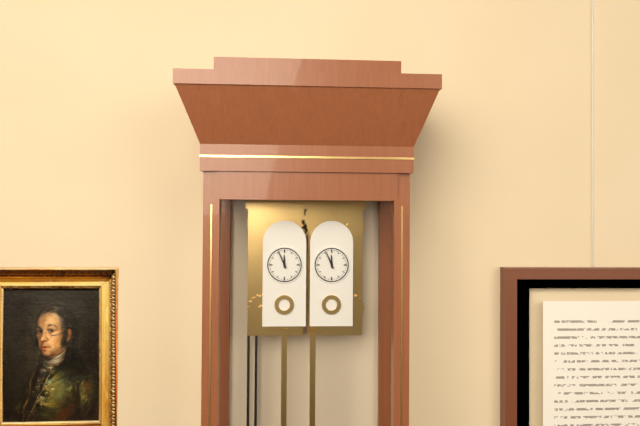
{"hour": 11, "minute": 56}
